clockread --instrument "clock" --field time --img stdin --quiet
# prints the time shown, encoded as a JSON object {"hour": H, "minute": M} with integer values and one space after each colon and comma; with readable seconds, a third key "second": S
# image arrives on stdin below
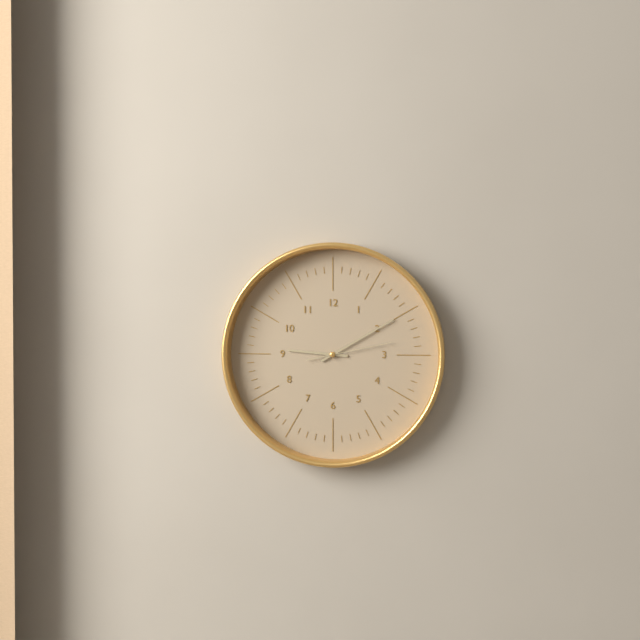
{"hour": 9, "minute": 10, "second": 13}
